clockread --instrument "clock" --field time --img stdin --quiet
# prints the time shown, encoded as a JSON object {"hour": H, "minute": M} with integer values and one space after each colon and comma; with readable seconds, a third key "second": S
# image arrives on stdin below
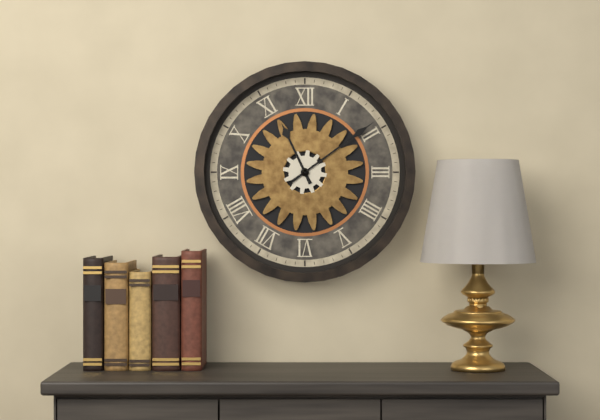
{"hour": 11, "minute": 9}
